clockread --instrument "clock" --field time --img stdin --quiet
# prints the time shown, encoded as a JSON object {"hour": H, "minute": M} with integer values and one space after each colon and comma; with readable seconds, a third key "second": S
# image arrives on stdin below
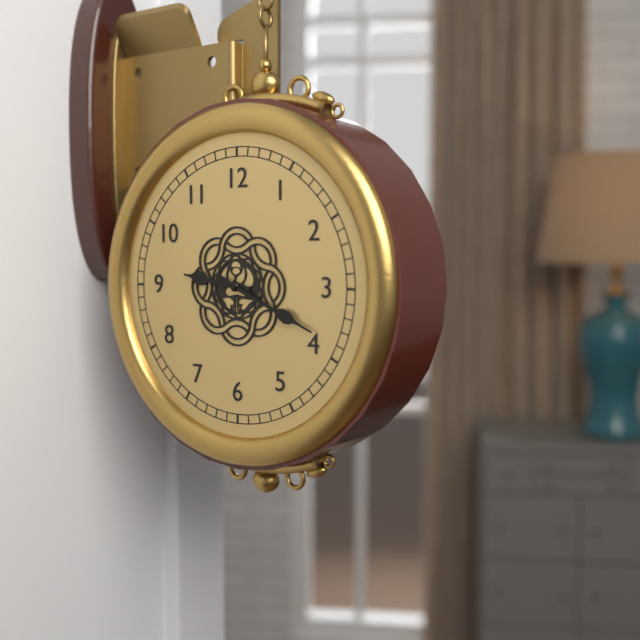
{"hour": 9, "minute": 19}
